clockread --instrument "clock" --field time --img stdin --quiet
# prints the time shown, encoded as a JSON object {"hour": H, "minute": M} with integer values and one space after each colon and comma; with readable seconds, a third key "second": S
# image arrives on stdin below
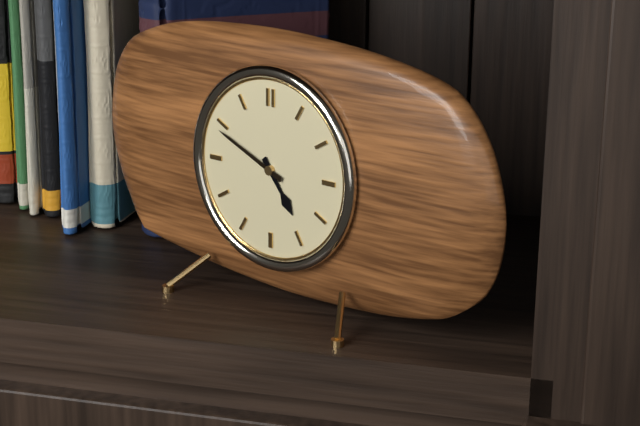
{"hour": 4, "minute": 49}
